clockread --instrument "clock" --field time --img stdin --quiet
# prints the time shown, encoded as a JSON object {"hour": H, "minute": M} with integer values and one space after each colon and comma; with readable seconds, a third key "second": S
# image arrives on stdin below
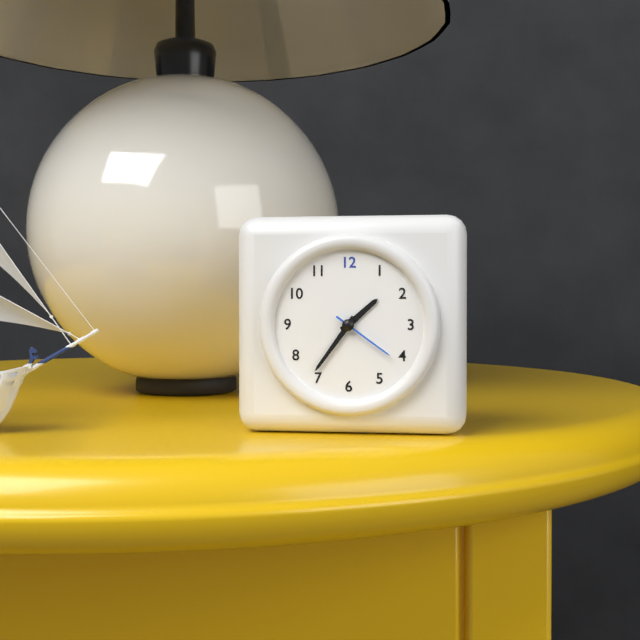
{"hour": 1, "minute": 36, "second": 21}
